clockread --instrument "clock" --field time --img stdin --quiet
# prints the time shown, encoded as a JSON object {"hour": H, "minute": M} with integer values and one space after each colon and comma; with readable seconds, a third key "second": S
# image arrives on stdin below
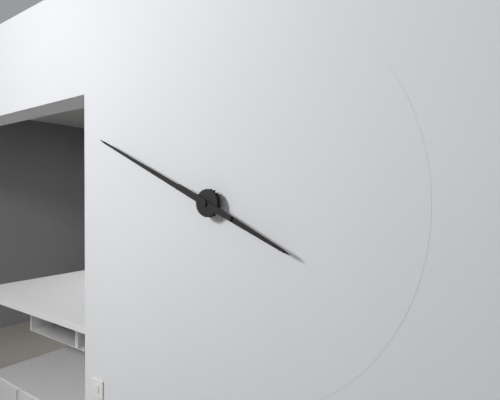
{"hour": 3, "minute": 49}
